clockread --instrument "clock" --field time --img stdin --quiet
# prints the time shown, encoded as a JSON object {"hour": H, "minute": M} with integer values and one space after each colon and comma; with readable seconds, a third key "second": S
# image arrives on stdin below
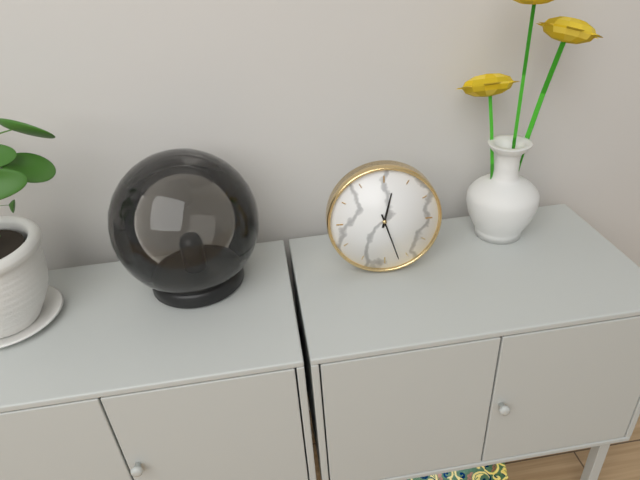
{"hour": 12, "minute": 27}
